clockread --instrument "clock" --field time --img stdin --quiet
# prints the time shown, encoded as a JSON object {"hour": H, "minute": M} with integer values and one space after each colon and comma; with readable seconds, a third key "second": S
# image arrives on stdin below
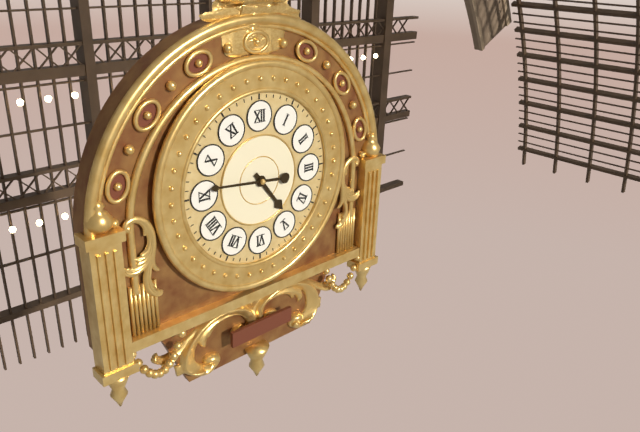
{"hour": 4, "minute": 46}
